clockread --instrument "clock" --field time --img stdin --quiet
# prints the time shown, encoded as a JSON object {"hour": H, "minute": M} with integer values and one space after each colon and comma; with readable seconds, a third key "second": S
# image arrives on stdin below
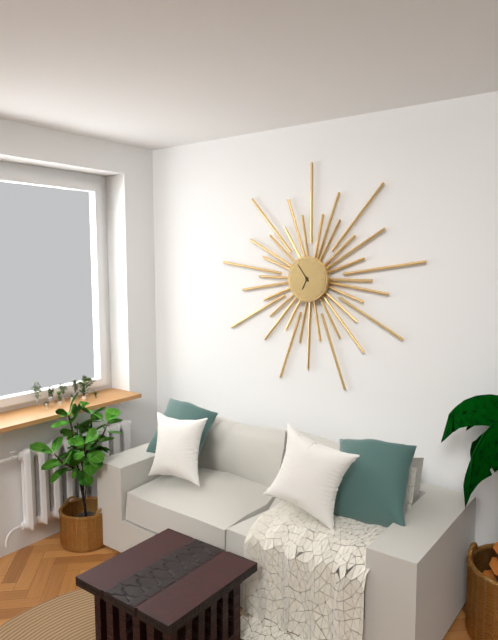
{"hour": 6, "minute": 54}
